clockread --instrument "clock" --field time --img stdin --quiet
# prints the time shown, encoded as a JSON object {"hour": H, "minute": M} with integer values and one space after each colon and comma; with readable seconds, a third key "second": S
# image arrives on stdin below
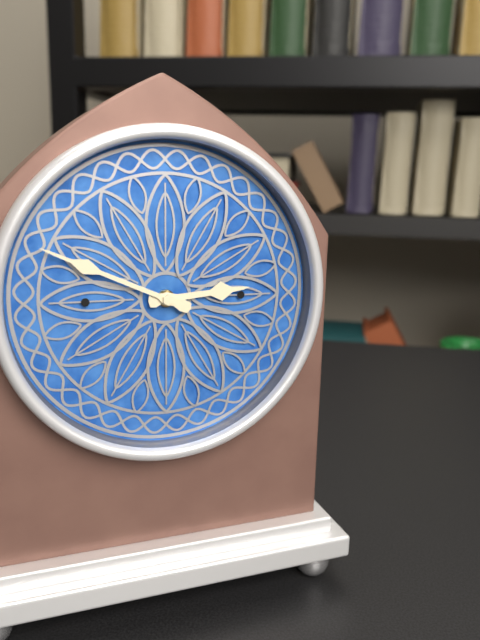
{"hour": 2, "minute": 49}
